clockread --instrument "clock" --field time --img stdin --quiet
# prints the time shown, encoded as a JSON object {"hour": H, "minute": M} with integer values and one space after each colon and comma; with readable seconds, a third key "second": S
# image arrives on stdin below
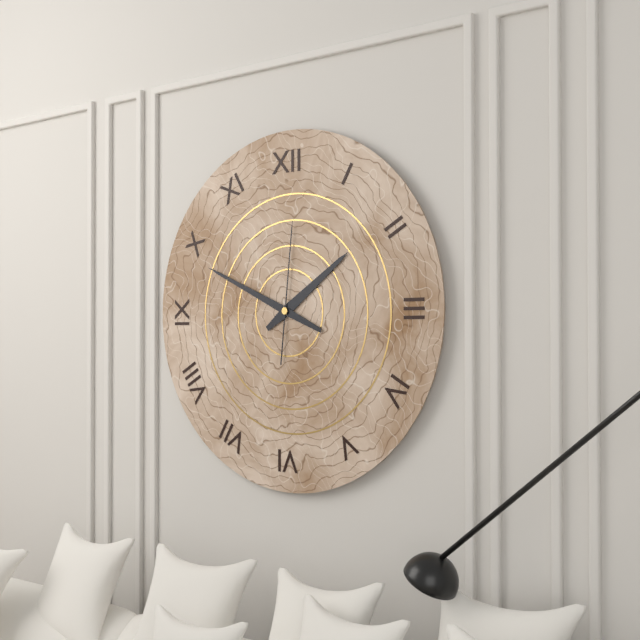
{"hour": 1, "minute": 49, "second": 1}
